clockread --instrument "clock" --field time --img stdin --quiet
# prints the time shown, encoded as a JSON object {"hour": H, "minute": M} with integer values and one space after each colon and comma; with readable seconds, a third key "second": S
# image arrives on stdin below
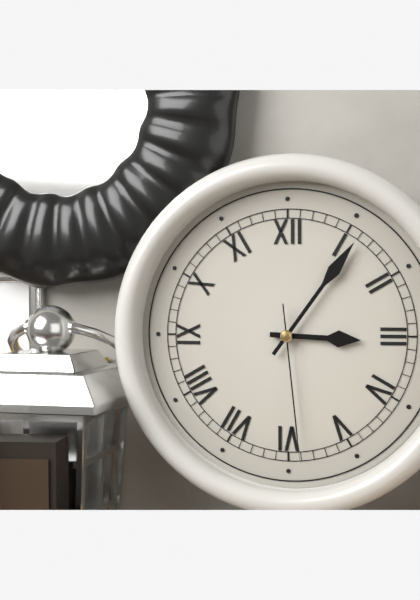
{"hour": 3, "minute": 6, "second": 29}
